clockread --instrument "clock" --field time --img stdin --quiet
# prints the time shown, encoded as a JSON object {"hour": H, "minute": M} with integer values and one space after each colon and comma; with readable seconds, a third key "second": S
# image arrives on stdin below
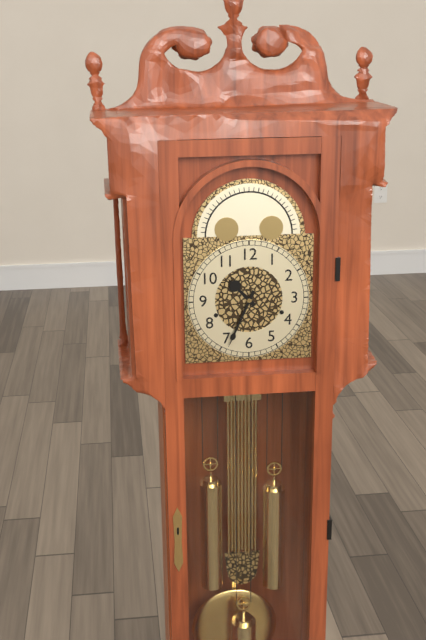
{"hour": 10, "minute": 34}
